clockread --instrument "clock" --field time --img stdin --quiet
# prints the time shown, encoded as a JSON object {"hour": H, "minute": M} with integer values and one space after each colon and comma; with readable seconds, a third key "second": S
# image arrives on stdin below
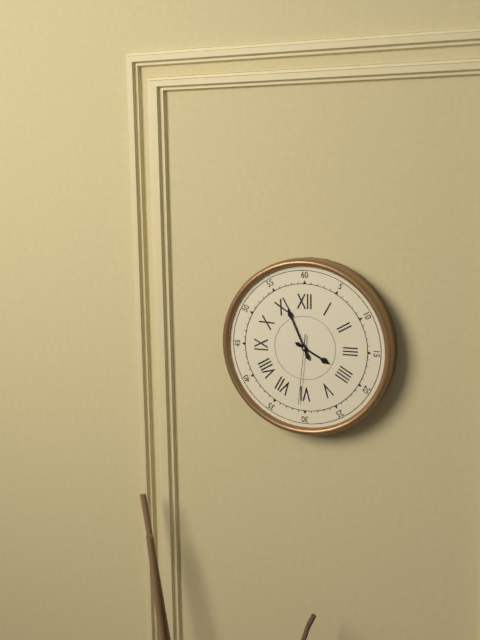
{"hour": 3, "minute": 56, "second": 31}
